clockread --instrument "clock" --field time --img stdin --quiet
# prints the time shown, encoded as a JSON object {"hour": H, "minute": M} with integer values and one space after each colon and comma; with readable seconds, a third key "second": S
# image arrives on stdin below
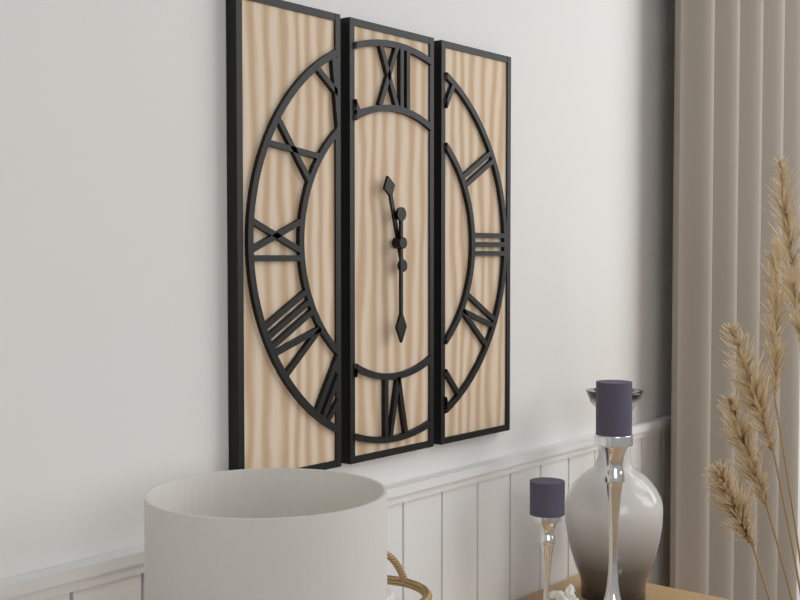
{"hour": 11, "minute": 30}
